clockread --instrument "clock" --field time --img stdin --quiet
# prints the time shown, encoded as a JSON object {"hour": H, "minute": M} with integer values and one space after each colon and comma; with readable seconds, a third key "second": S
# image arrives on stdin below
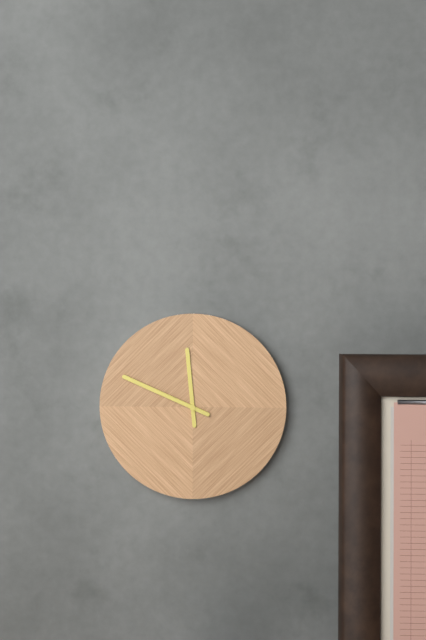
{"hour": 11, "minute": 49}
